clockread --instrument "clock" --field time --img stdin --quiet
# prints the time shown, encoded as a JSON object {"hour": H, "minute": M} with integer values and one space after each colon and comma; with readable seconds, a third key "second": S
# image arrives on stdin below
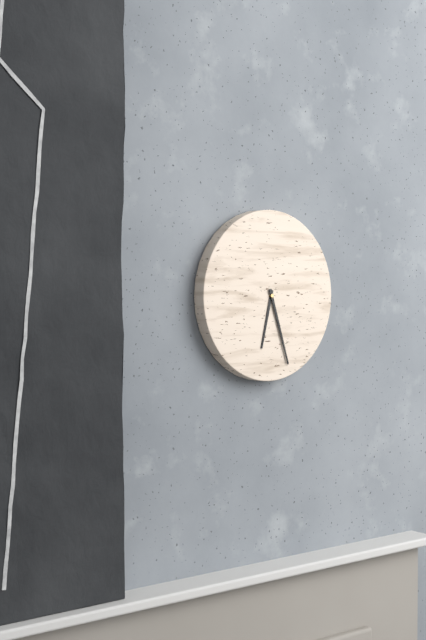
{"hour": 6, "minute": 27}
